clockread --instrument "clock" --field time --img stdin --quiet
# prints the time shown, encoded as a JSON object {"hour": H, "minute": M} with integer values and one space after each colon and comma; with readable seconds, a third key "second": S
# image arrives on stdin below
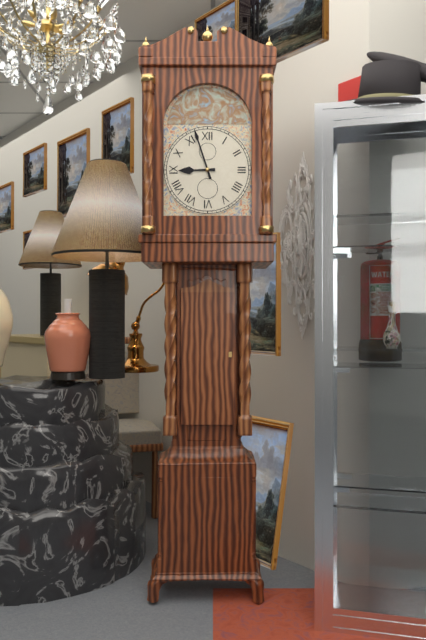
{"hour": 8, "minute": 57}
